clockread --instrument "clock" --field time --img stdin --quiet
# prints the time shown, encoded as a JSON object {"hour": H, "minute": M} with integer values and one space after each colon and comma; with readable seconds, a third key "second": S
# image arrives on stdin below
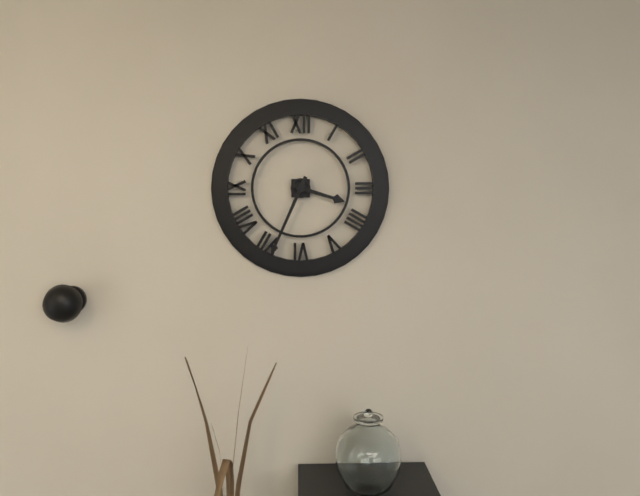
{"hour": 3, "minute": 34}
